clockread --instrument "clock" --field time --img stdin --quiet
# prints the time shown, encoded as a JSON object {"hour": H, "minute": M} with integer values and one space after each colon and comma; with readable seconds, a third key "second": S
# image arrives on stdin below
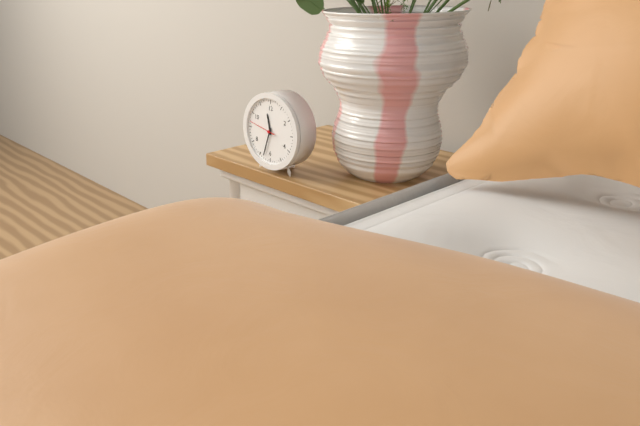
{"hour": 11, "minute": 33}
